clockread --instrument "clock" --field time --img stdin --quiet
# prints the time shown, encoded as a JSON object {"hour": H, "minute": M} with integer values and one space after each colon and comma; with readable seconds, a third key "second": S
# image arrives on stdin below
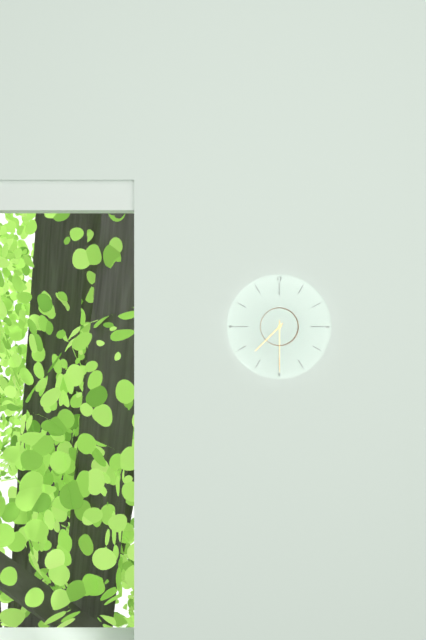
{"hour": 7, "minute": 30}
